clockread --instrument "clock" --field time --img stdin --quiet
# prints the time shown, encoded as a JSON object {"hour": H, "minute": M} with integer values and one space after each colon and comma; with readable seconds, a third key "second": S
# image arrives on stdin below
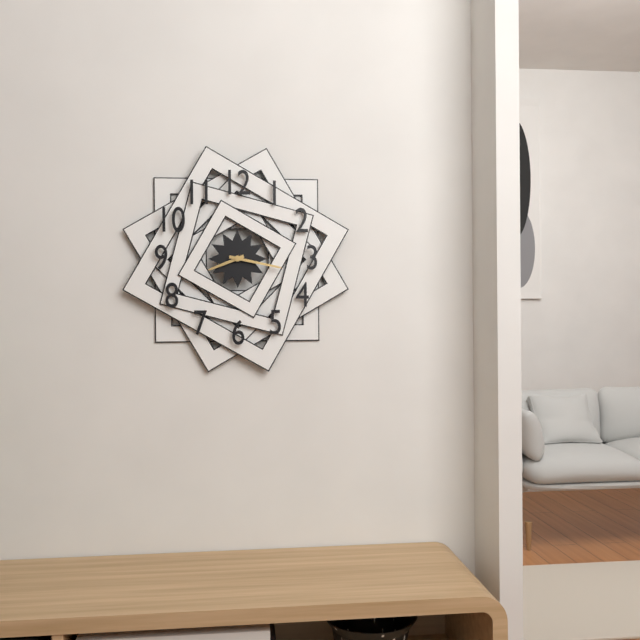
{"hour": 8, "minute": 17}
